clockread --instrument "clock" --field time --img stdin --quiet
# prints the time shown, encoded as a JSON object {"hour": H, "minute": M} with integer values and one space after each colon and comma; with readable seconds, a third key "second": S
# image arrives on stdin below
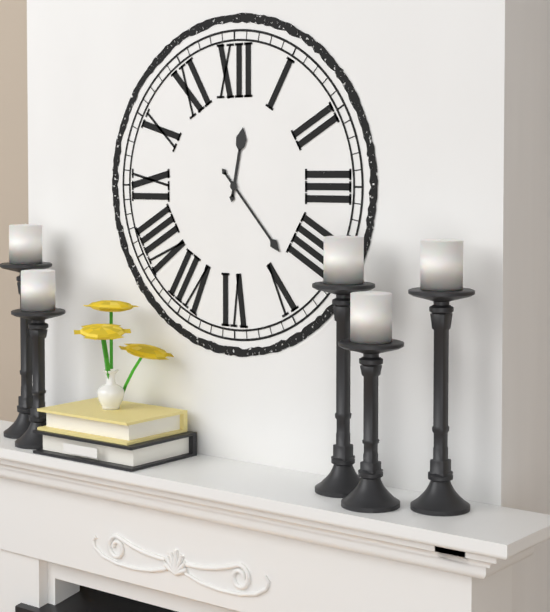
{"hour": 12, "minute": 23}
